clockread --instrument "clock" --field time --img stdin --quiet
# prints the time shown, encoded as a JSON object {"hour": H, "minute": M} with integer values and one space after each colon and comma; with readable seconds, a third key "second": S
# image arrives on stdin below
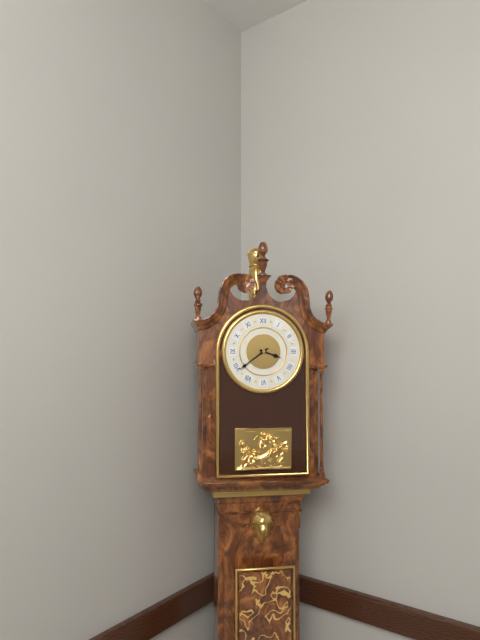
{"hour": 3, "minute": 39}
